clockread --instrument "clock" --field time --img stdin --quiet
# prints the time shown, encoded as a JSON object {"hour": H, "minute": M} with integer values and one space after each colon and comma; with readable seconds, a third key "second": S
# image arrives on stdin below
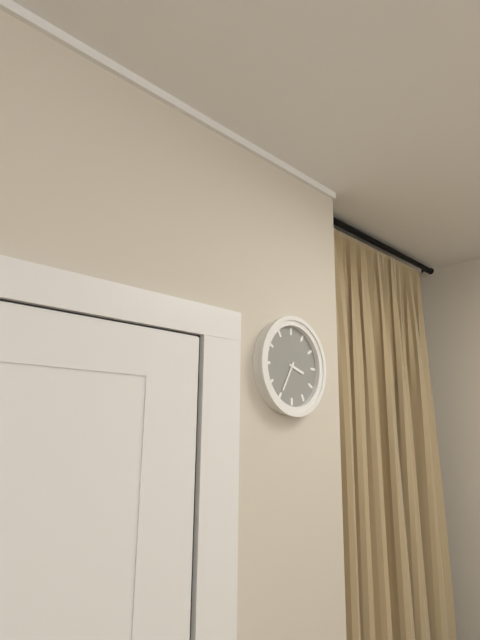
{"hour": 3, "minute": 35}
